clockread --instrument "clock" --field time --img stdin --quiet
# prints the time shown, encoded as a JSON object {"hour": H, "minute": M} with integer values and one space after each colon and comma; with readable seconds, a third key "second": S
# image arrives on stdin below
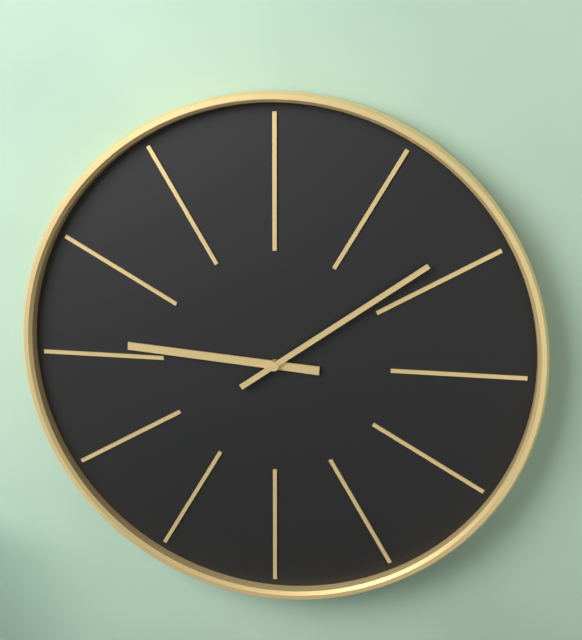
{"hour": 9, "minute": 9}
